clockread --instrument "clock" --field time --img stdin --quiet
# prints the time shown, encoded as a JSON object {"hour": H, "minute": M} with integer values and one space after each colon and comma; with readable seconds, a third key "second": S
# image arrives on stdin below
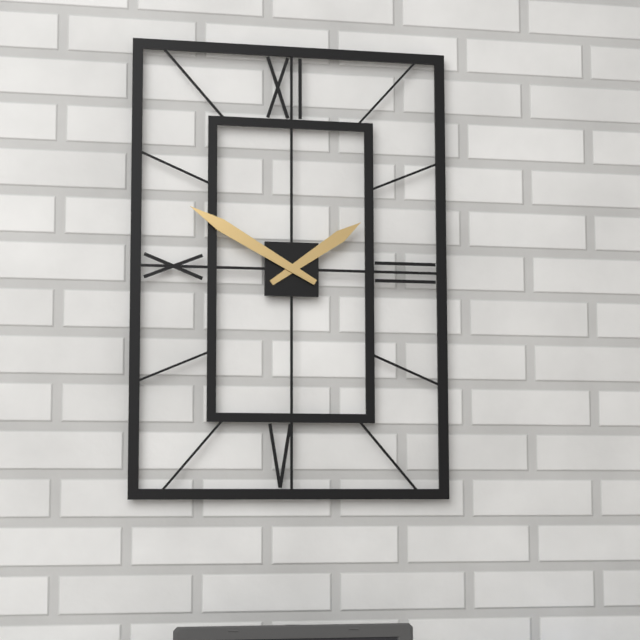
{"hour": 1, "minute": 50}
